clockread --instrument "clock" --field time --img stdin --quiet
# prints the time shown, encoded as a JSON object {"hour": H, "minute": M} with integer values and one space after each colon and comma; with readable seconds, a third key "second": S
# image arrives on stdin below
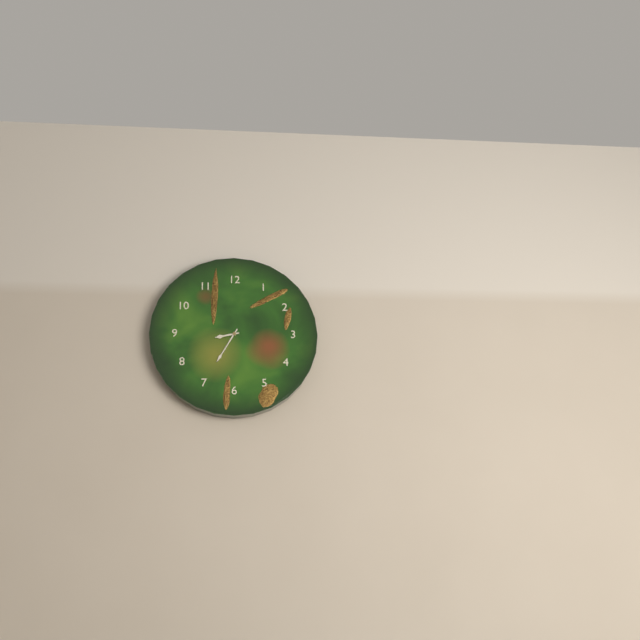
{"hour": 8, "minute": 35}
